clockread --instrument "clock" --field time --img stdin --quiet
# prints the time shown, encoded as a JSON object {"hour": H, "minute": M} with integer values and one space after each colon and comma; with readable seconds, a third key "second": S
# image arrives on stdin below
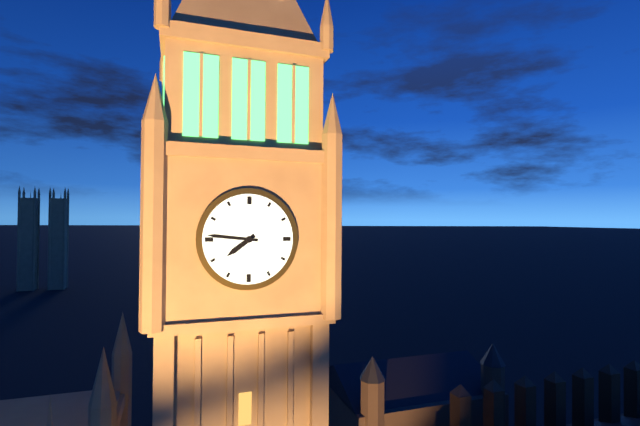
{"hour": 7, "minute": 46}
